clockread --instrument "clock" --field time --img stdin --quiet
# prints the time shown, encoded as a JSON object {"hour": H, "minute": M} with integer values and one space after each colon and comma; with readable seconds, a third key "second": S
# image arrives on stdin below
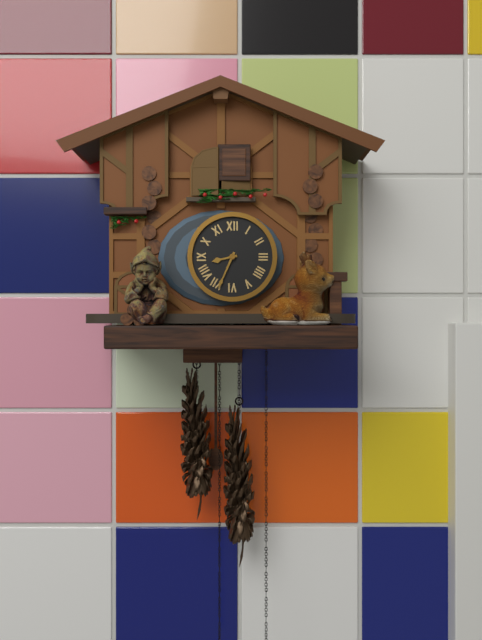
{"hour": 8, "minute": 34}
